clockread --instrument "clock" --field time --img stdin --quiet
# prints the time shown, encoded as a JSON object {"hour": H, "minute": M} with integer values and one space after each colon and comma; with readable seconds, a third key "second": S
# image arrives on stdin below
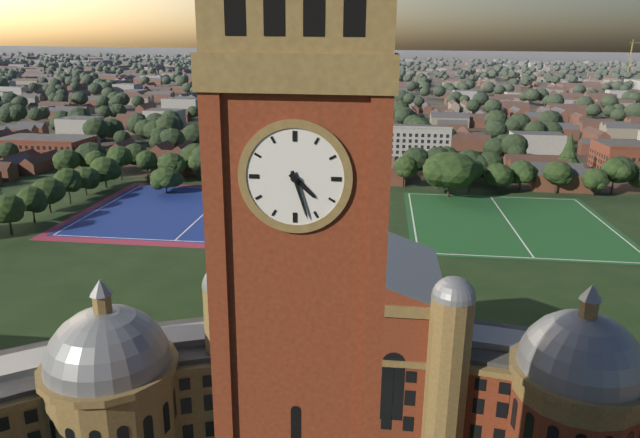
{"hour": 4, "minute": 27}
